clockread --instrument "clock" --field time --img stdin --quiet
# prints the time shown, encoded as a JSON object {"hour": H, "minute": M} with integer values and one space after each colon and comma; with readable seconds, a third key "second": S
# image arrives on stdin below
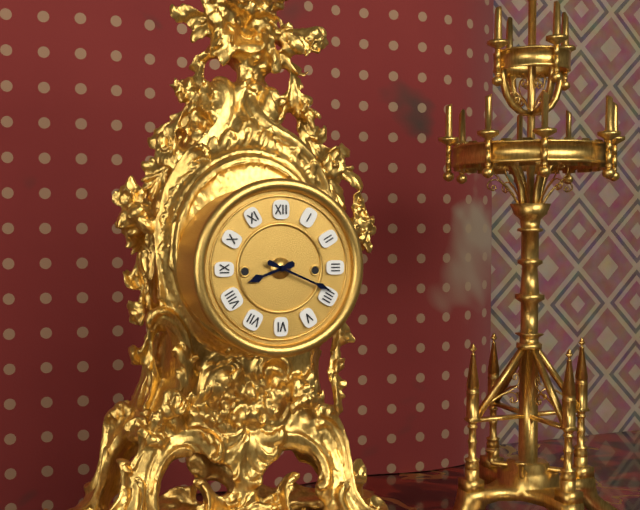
{"hour": 8, "minute": 19}
